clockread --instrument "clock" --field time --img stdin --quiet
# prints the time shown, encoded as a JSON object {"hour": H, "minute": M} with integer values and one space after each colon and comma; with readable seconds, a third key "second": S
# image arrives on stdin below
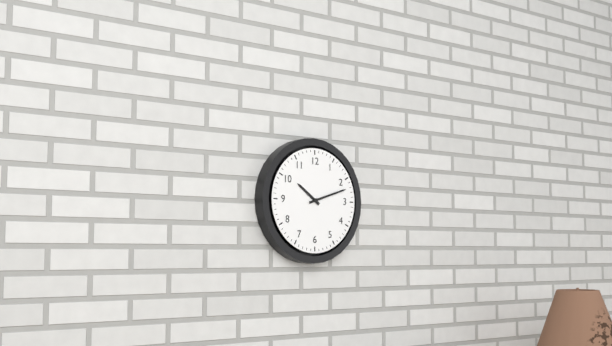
{"hour": 10, "minute": 12}
